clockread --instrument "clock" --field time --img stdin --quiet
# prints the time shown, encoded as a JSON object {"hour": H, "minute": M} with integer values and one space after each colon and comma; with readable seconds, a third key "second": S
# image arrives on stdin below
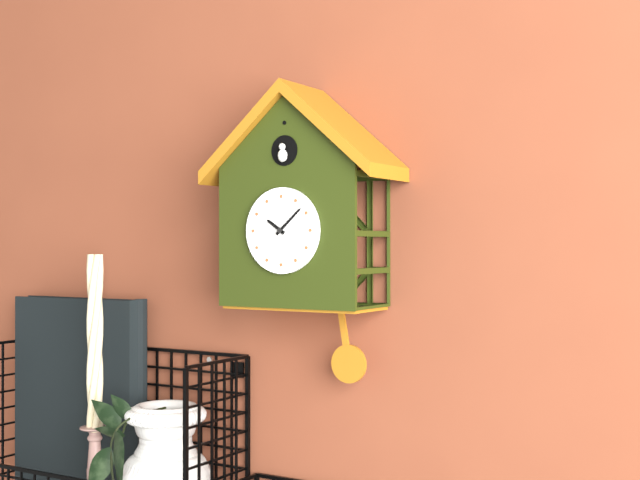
{"hour": 10, "minute": 8}
